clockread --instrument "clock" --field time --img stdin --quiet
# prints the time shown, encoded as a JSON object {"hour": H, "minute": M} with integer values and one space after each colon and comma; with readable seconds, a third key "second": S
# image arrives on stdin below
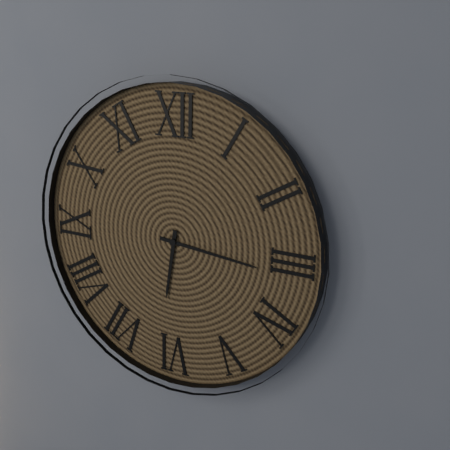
{"hour": 6, "minute": 16}
